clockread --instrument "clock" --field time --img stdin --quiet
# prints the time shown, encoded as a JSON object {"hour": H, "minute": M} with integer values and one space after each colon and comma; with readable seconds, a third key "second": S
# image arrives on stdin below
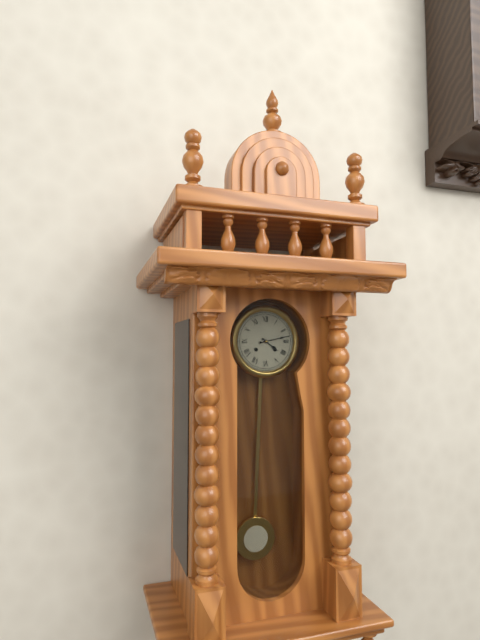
{"hour": 4, "minute": 13}
